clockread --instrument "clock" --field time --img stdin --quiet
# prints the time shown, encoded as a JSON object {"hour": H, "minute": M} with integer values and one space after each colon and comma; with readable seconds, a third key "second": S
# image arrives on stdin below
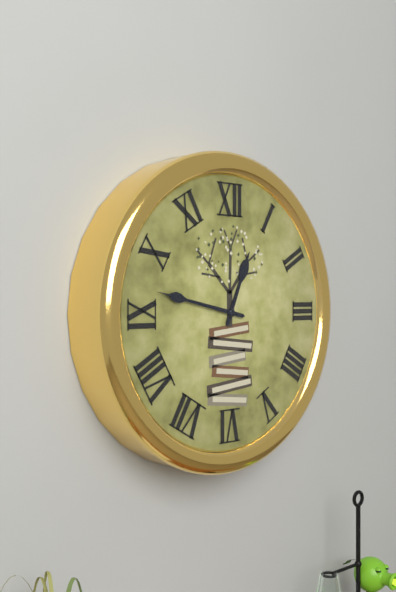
{"hour": 12, "minute": 47}
